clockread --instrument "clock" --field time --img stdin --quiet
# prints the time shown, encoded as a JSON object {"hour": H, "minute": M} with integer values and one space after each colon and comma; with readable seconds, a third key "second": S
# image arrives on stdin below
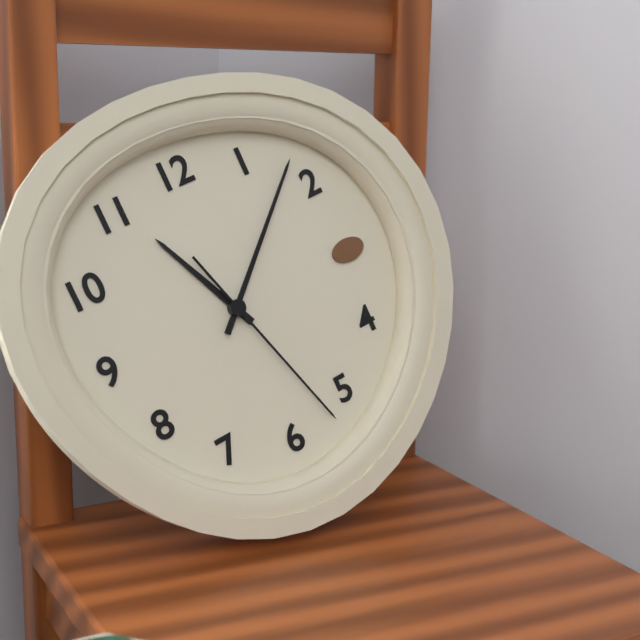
{"hour": 11, "minute": 8, "second": 27}
